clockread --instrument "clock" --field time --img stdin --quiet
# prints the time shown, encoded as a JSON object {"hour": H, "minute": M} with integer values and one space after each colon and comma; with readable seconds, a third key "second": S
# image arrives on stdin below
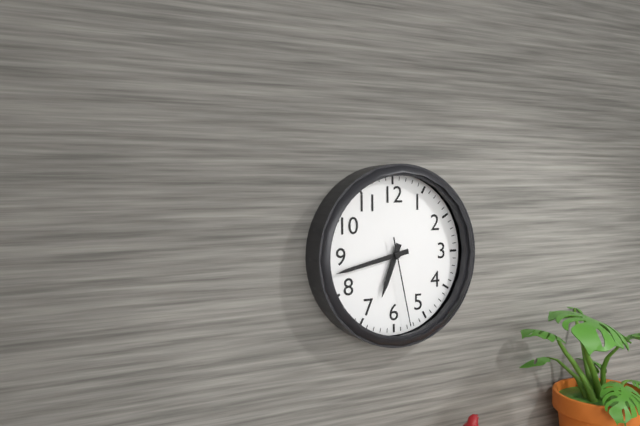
{"hour": 6, "minute": 43, "second": 28}
